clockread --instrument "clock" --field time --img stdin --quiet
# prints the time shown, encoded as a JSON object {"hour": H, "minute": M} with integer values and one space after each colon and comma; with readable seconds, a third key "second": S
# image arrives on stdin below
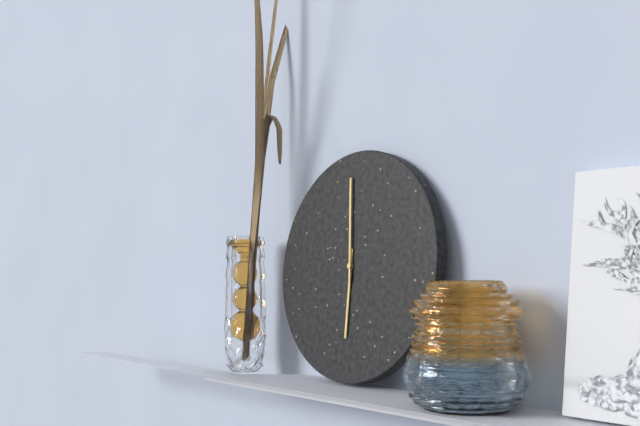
{"hour": 5, "minute": 59}
